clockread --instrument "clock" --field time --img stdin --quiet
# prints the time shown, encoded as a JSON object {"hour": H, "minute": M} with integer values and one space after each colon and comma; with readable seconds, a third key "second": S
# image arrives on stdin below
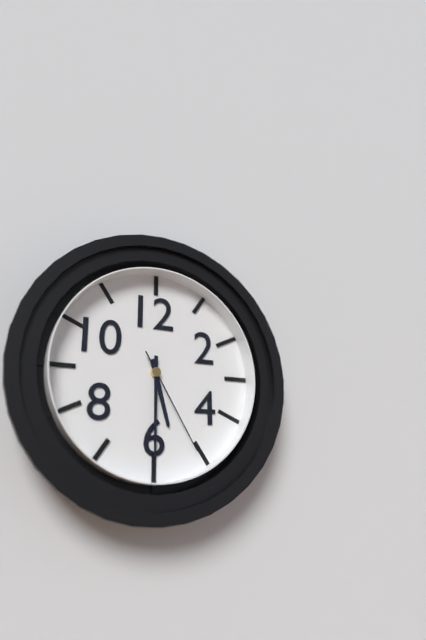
{"hour": 5, "minute": 30, "second": 25}
